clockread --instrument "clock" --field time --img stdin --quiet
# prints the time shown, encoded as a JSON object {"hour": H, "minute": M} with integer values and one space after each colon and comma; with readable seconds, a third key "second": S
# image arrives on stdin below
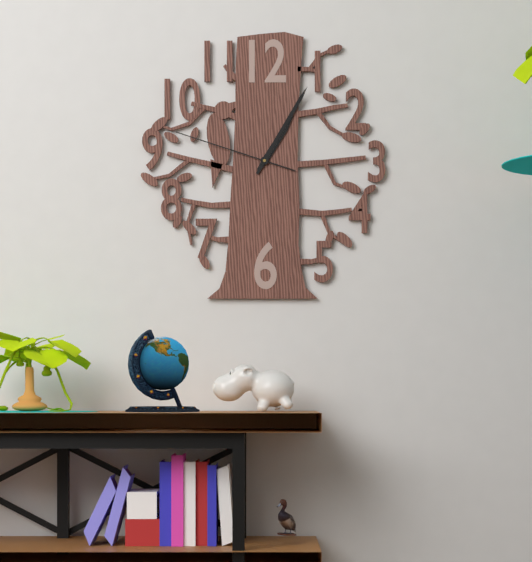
{"hour": 1, "minute": 5, "second": 48}
